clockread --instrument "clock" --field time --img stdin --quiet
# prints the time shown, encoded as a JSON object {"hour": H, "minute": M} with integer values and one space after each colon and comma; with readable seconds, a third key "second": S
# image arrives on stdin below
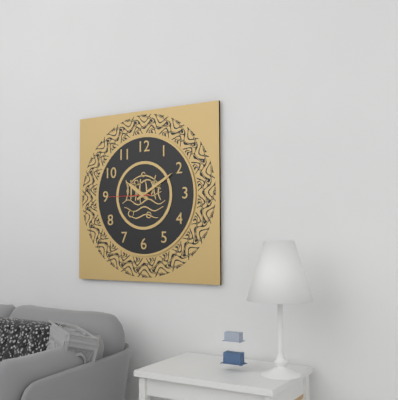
{"hour": 10, "minute": 10}
